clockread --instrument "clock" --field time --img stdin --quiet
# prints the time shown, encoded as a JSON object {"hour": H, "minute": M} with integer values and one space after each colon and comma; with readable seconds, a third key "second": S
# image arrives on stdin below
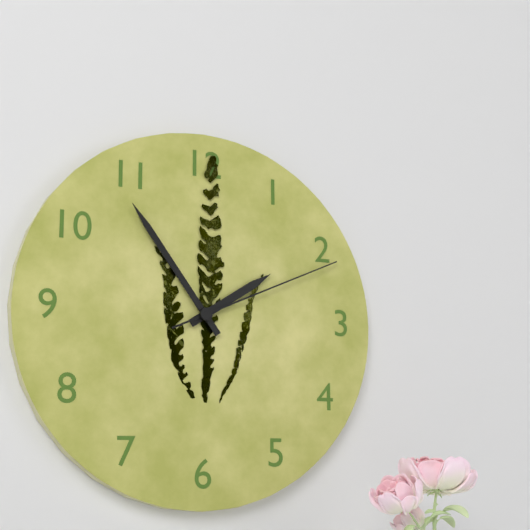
{"hour": 1, "minute": 54, "second": 11}
